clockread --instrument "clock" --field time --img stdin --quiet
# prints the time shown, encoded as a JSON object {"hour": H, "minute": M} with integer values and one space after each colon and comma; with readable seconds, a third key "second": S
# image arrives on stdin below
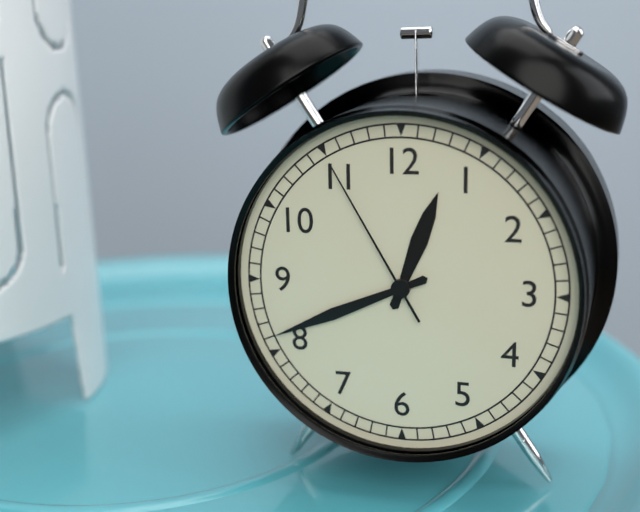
{"hour": 12, "minute": 41, "second": 55}
